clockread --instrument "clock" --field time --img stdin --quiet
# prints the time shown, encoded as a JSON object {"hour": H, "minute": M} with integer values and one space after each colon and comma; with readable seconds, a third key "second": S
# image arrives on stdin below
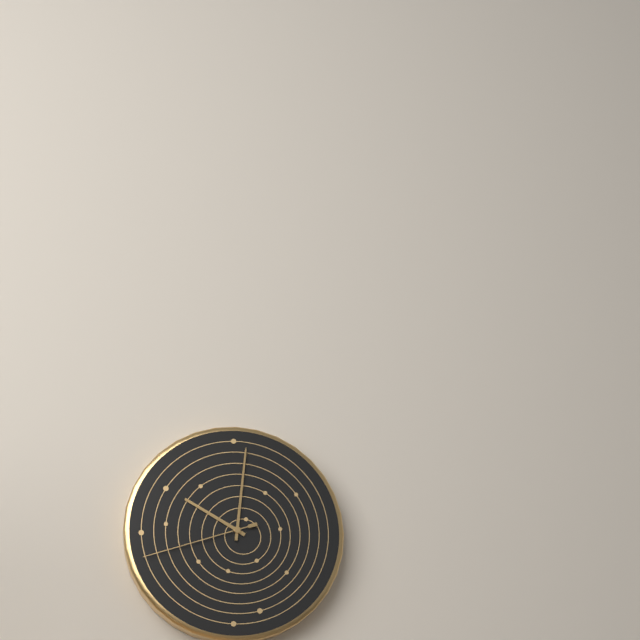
{"hour": 10, "minute": 1, "second": 42}
